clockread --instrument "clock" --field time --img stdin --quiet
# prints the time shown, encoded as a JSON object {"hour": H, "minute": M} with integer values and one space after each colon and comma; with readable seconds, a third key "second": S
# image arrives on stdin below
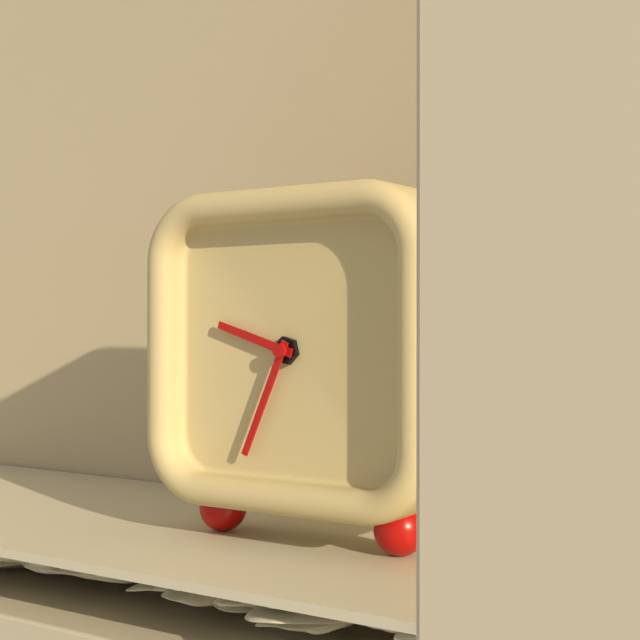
{"hour": 9, "minute": 34}
